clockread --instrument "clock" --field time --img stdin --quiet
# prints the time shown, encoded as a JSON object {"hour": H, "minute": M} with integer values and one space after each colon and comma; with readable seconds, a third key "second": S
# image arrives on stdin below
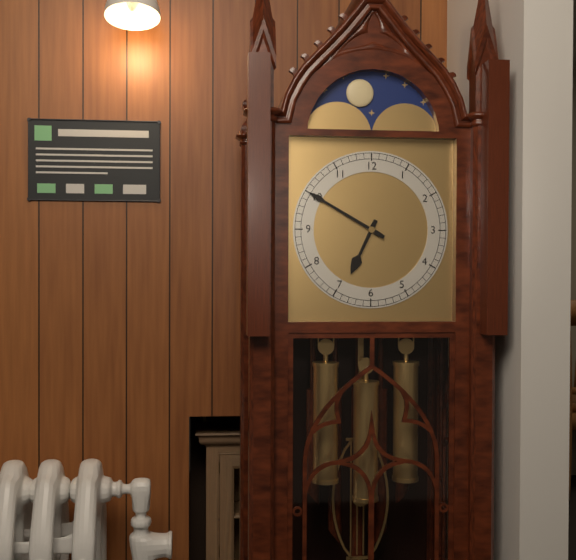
{"hour": 6, "minute": 50}
